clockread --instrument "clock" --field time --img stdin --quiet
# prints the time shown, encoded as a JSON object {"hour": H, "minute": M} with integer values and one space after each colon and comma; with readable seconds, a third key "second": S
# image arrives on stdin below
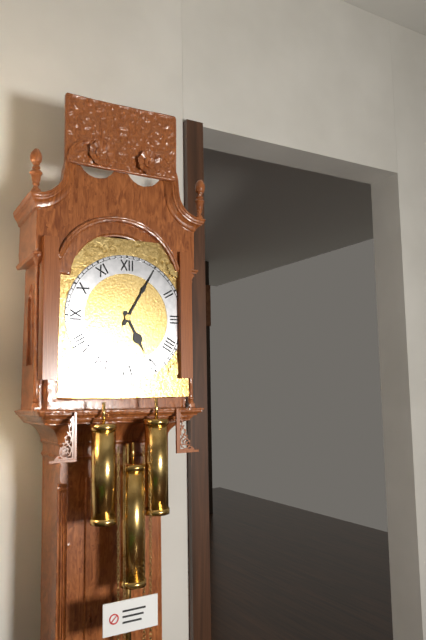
{"hour": 5, "minute": 5}
